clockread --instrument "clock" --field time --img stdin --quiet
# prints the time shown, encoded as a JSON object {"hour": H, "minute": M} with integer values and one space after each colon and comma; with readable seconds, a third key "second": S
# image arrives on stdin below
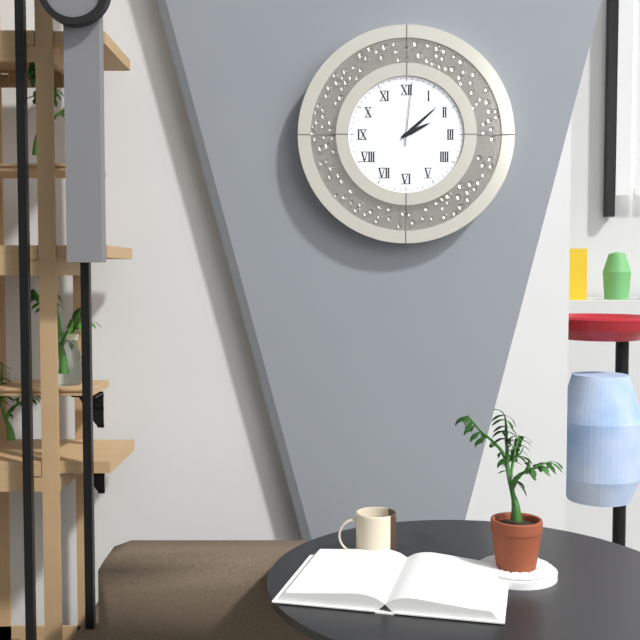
{"hour": 2, "minute": 8, "second": 1}
